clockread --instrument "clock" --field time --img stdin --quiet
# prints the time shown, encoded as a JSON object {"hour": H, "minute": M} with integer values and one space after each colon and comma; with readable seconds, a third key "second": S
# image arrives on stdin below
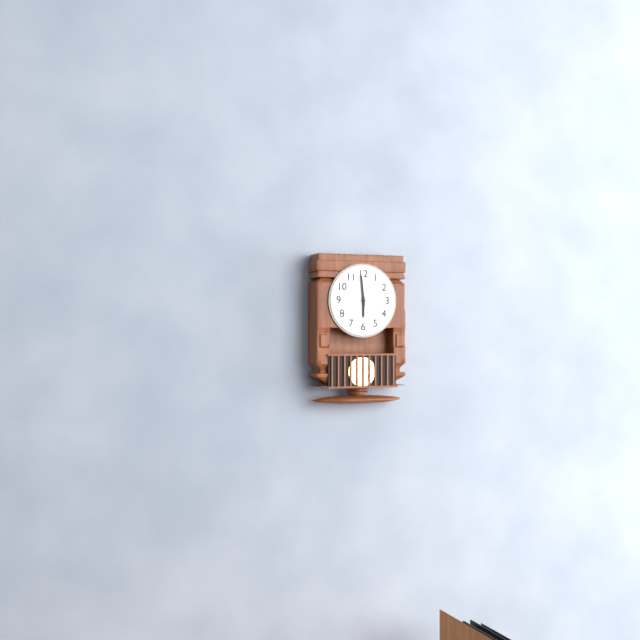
{"hour": 5, "minute": 59}
